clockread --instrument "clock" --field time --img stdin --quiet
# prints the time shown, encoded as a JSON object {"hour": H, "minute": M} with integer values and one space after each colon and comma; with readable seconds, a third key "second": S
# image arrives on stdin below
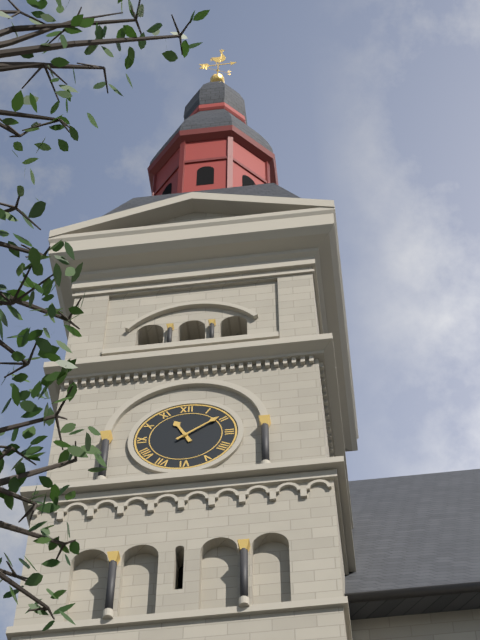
{"hour": 11, "minute": 9}
